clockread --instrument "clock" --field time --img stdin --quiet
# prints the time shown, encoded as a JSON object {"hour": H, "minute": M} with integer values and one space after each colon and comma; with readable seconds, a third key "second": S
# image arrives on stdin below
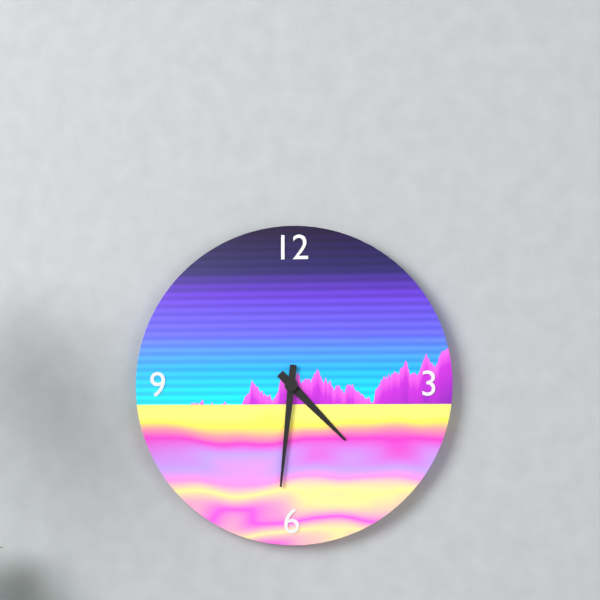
{"hour": 4, "minute": 31}
